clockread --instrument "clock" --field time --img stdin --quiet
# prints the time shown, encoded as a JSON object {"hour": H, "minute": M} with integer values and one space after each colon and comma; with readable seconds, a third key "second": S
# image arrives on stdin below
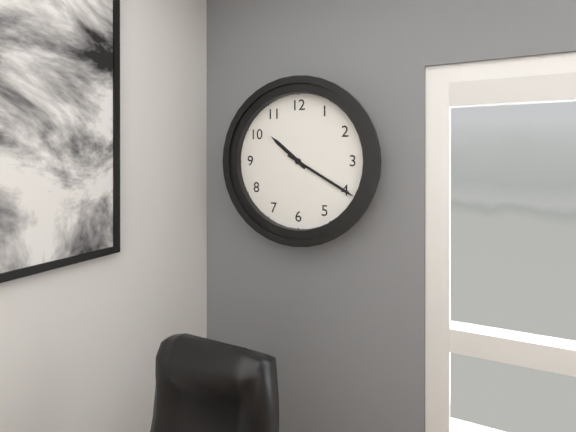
{"hour": 10, "minute": 20}
